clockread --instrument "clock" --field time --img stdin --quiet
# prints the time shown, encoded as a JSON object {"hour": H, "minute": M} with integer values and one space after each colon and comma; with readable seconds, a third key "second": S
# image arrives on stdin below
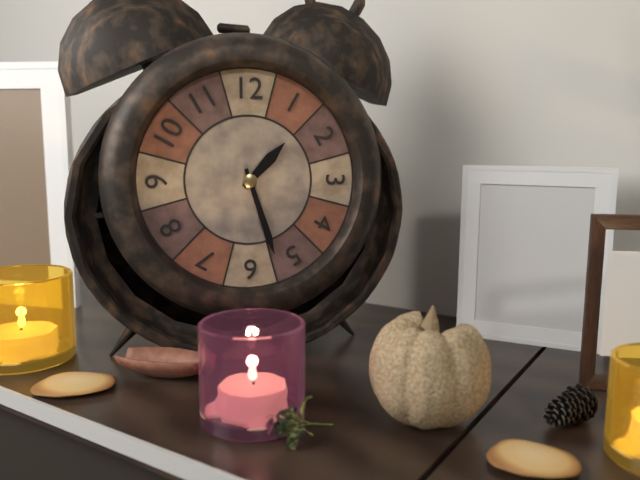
{"hour": 1, "minute": 27}
